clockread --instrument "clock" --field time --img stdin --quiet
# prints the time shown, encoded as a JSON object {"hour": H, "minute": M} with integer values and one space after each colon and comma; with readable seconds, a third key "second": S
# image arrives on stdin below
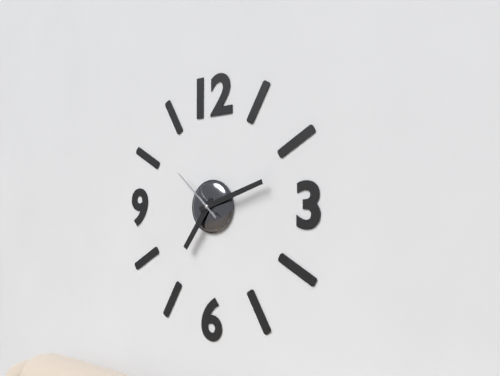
{"hour": 7, "minute": 12, "second": 52}
